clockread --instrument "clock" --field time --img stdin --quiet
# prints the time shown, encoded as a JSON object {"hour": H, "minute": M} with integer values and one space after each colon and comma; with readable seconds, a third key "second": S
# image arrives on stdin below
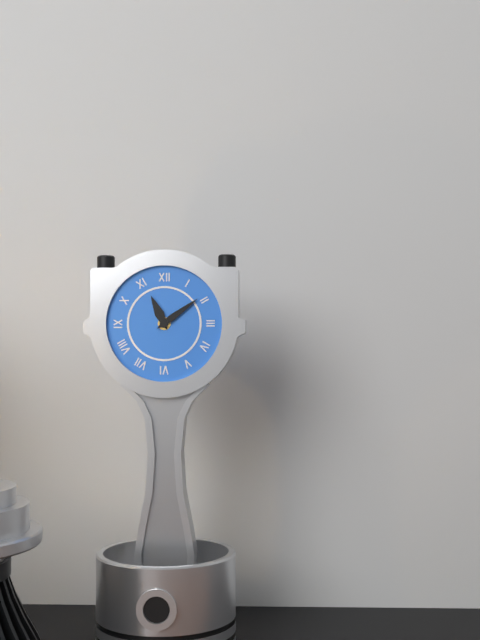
{"hour": 11, "minute": 9}
